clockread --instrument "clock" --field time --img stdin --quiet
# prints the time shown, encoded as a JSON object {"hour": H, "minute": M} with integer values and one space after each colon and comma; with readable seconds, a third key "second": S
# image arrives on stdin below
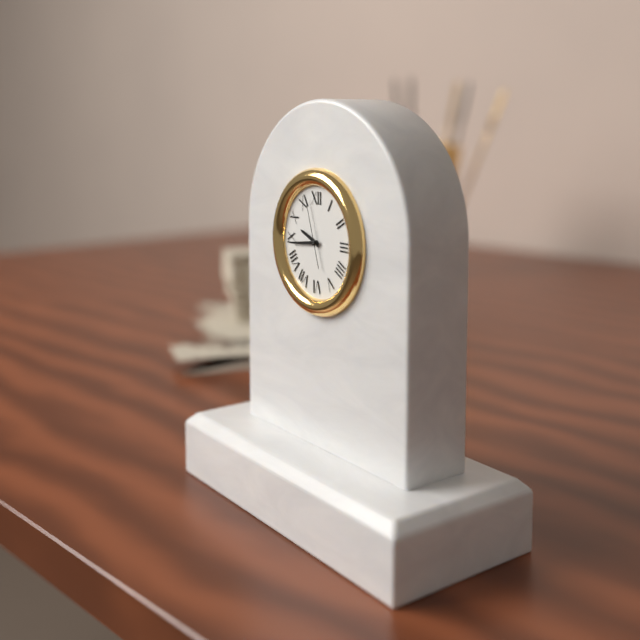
{"hour": 9, "minute": 44, "second": 57}
